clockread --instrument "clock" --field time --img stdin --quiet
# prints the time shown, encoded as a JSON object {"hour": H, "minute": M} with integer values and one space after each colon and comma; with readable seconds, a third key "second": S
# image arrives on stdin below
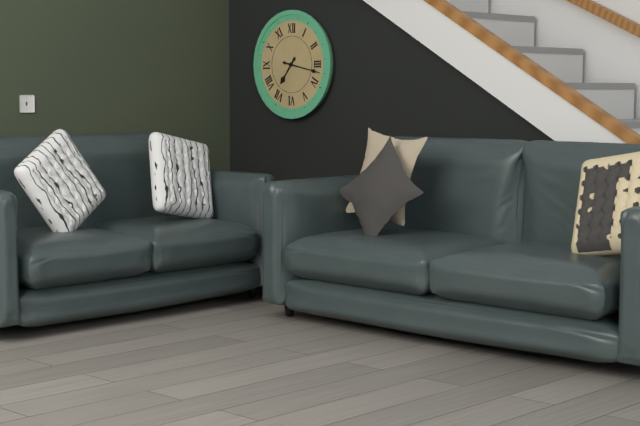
{"hour": 7, "minute": 17}
